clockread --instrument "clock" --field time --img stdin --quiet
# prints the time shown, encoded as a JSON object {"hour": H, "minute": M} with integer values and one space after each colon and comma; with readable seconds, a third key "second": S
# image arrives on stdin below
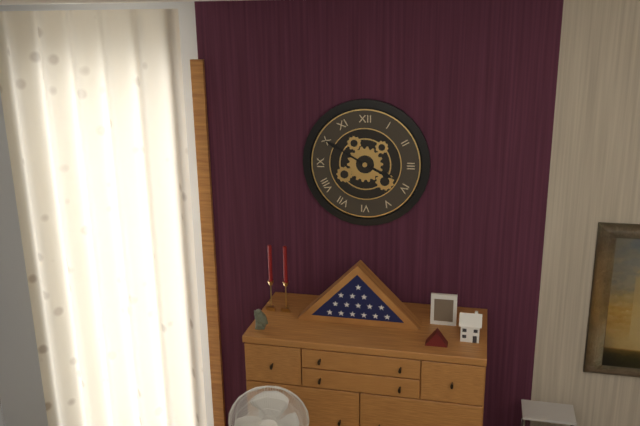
{"hour": 3, "minute": 50}
